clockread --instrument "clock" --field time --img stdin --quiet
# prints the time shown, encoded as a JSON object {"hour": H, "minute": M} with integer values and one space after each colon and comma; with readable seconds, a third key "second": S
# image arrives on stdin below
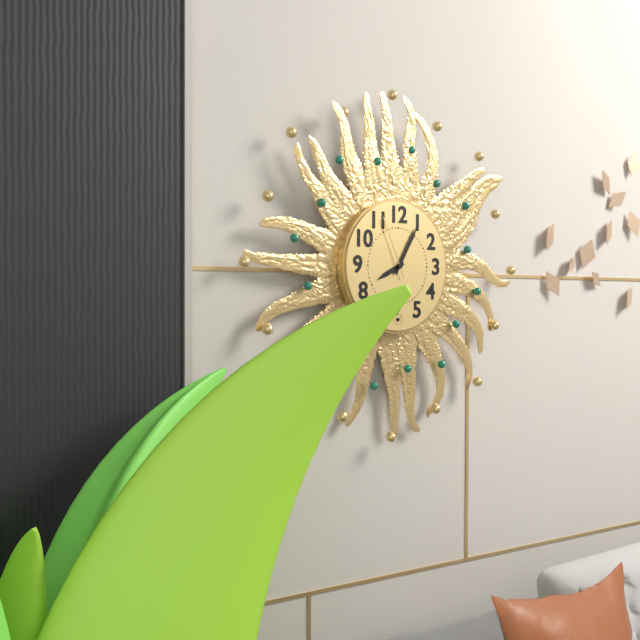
{"hour": 8, "minute": 5, "second": 56}
